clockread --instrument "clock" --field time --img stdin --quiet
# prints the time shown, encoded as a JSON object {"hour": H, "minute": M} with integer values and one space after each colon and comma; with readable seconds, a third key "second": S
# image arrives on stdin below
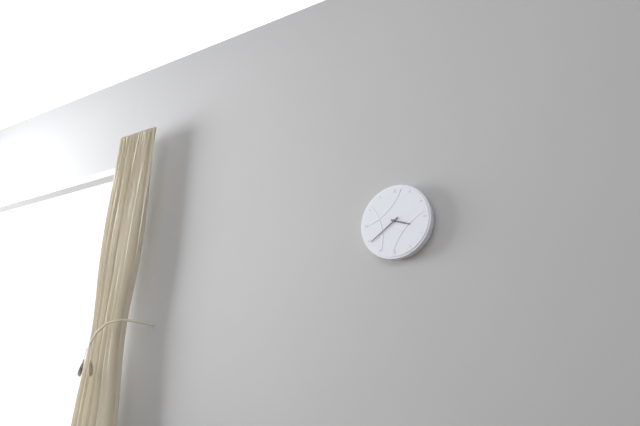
{"hour": 3, "minute": 39}
